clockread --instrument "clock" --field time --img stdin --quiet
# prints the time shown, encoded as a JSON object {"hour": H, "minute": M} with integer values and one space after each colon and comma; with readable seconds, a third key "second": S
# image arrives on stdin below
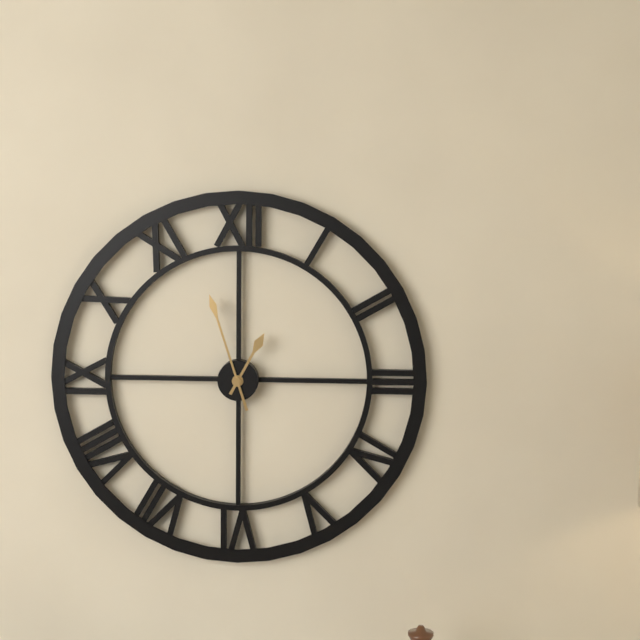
{"hour": 12, "minute": 57}
